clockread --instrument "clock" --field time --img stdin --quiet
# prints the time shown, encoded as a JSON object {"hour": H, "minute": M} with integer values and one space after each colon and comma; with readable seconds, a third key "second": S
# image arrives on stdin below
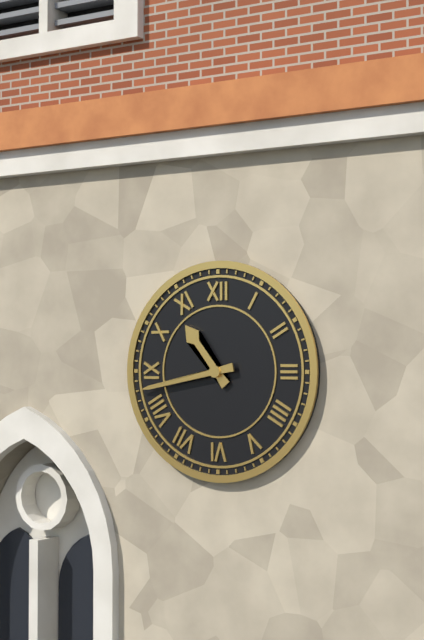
{"hour": 10, "minute": 43}
